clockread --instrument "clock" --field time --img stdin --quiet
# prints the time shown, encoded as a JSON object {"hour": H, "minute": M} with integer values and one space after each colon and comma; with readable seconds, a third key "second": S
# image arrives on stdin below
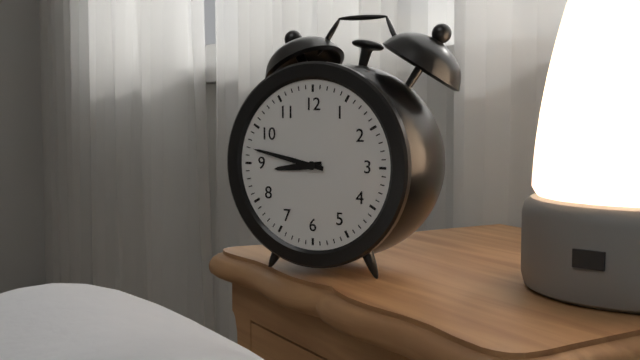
{"hour": 8, "minute": 47}
